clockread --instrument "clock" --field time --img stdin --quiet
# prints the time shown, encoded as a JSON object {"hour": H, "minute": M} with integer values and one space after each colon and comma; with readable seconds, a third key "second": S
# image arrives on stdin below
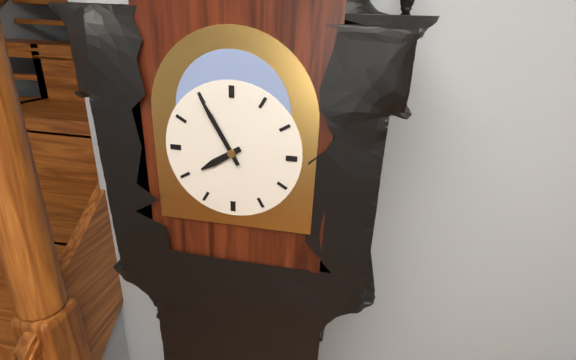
{"hour": 7, "minute": 55}
